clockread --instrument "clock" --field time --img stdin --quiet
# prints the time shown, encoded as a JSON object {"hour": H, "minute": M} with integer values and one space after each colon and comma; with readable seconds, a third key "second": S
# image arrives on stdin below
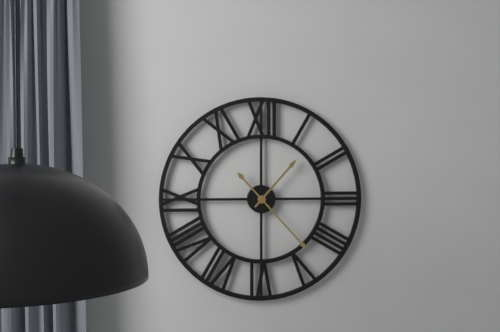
{"hour": 1, "minute": 23}
